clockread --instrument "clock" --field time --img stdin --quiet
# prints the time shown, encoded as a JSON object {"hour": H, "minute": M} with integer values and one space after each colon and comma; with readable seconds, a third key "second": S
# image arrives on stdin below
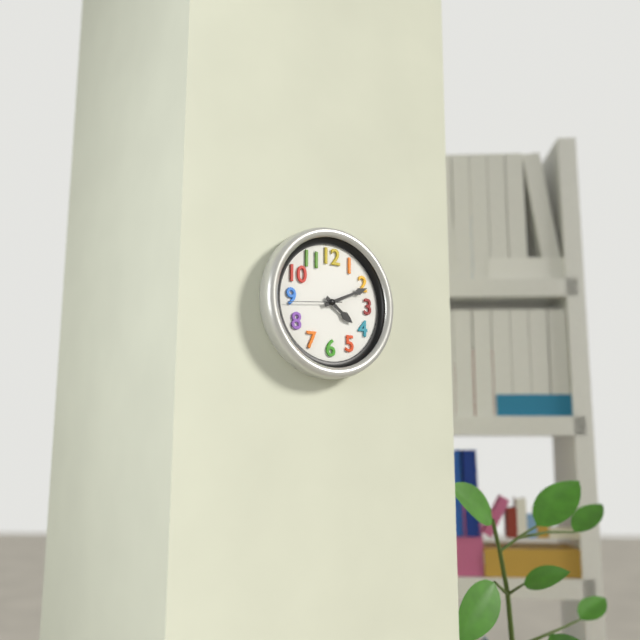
{"hour": 4, "minute": 11, "second": 44}
